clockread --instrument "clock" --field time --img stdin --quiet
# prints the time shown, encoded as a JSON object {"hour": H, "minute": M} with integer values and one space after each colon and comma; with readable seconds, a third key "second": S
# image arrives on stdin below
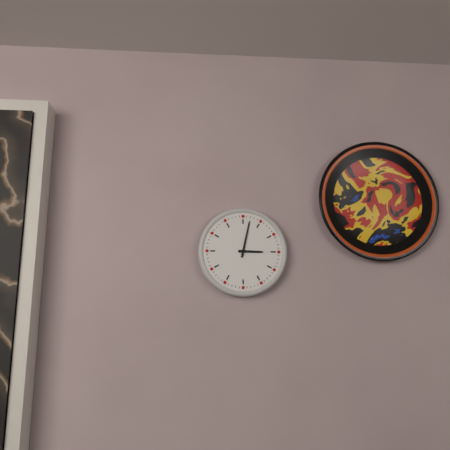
{"hour": 3, "minute": 2}
